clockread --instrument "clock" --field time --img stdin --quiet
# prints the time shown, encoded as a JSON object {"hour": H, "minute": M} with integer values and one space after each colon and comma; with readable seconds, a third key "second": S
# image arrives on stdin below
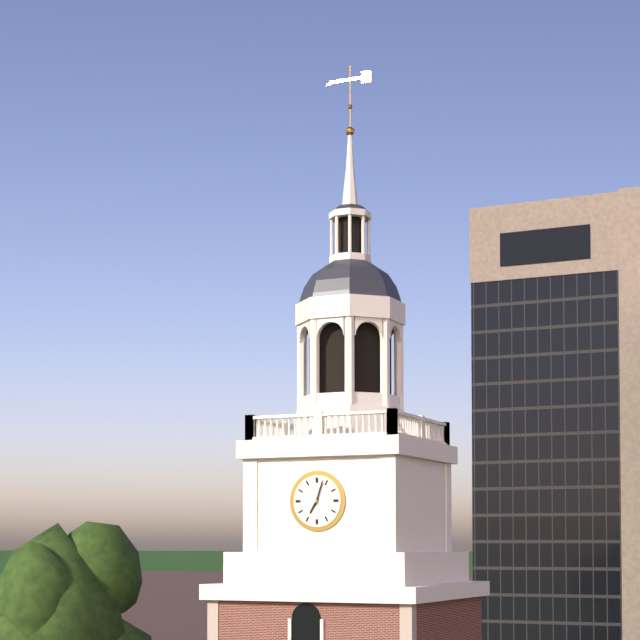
{"hour": 7, "minute": 3}
